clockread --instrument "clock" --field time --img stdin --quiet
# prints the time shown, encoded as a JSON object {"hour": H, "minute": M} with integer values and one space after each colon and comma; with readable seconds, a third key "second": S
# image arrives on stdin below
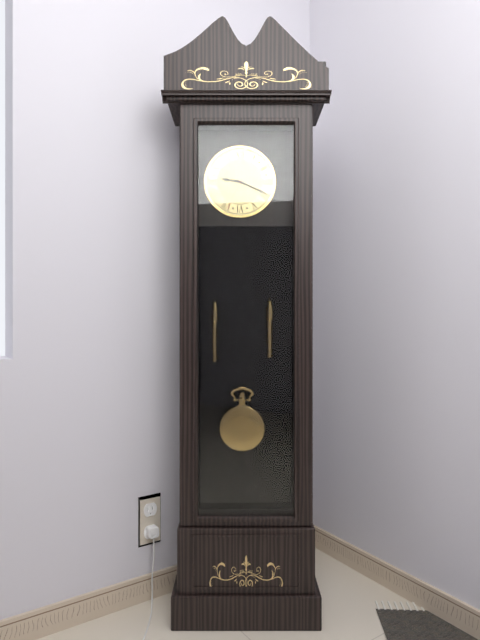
{"hour": 9, "minute": 19}
